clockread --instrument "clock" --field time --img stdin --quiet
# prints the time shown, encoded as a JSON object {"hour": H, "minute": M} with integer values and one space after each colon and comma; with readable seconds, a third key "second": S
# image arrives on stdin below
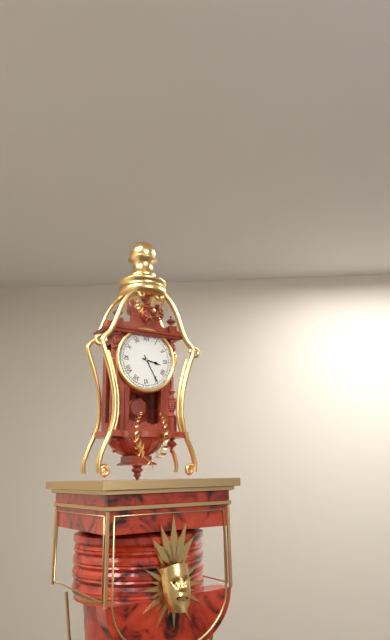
{"hour": 3, "minute": 25}
